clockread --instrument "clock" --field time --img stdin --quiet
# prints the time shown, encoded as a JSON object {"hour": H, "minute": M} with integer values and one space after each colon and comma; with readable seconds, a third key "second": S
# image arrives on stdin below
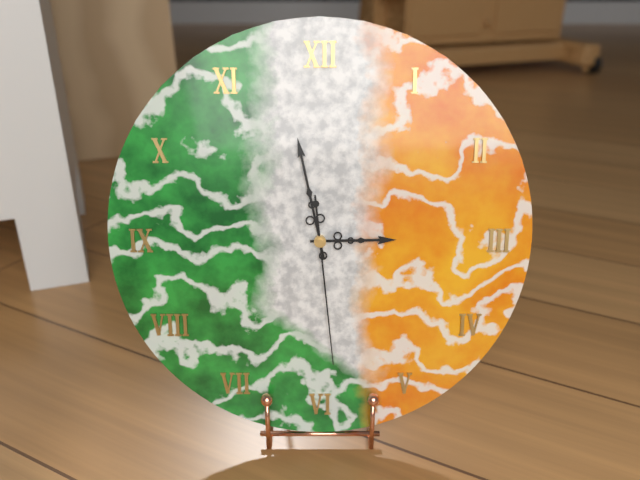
{"hour": 2, "minute": 58, "second": 29}
